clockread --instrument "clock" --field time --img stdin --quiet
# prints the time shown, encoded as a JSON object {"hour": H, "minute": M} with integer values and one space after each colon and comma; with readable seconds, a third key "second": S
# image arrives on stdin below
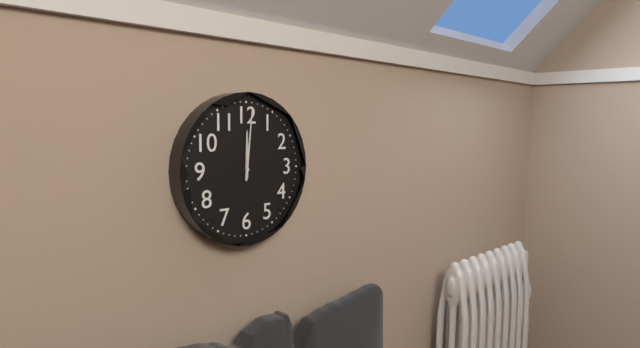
{"hour": 12, "minute": 1}
